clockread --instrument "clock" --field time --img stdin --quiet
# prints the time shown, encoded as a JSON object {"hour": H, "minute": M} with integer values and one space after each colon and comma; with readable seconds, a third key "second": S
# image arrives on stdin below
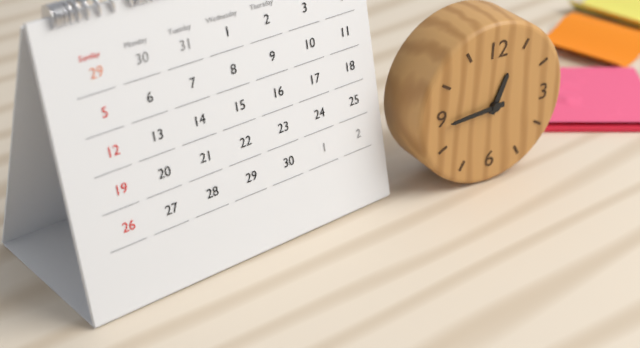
{"hour": 12, "minute": 44}
